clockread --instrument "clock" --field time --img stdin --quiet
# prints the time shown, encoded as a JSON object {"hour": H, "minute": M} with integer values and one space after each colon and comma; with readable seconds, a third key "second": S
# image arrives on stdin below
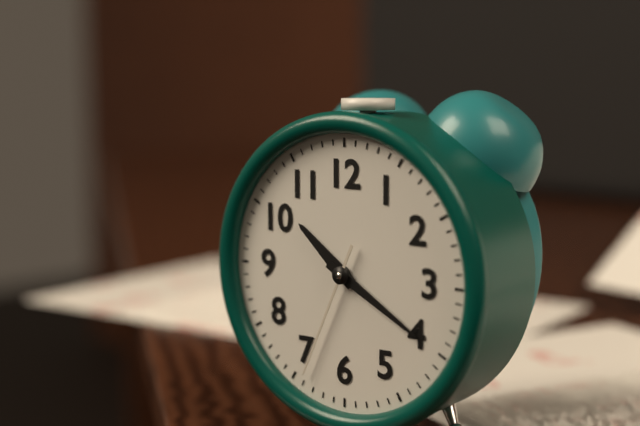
{"hour": 10, "minute": 20, "second": 34}
